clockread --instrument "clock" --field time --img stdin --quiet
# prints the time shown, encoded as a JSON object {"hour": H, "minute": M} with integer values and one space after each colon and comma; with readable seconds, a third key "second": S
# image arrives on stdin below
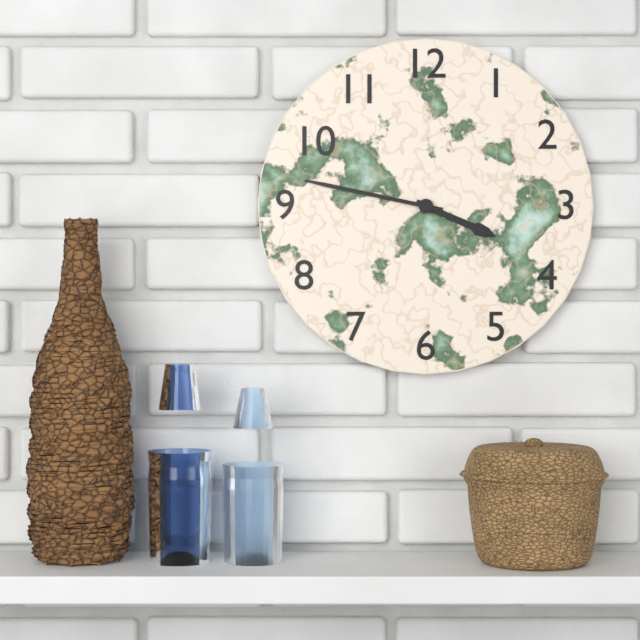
{"hour": 3, "minute": 47}
